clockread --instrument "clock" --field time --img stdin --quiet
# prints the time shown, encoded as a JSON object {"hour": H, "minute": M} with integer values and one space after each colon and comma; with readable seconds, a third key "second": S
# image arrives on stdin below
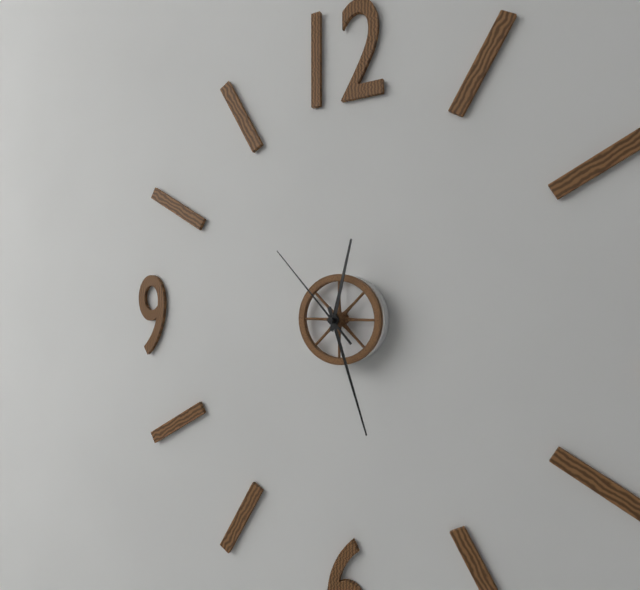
{"hour": 12, "minute": 27, "second": 53}
